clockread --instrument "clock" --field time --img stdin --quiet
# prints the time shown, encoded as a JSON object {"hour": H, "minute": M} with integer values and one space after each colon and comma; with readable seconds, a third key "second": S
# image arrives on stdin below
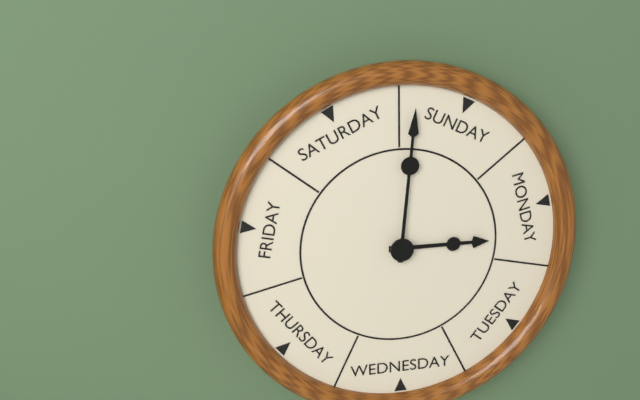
{"hour": 3, "minute": 1}
